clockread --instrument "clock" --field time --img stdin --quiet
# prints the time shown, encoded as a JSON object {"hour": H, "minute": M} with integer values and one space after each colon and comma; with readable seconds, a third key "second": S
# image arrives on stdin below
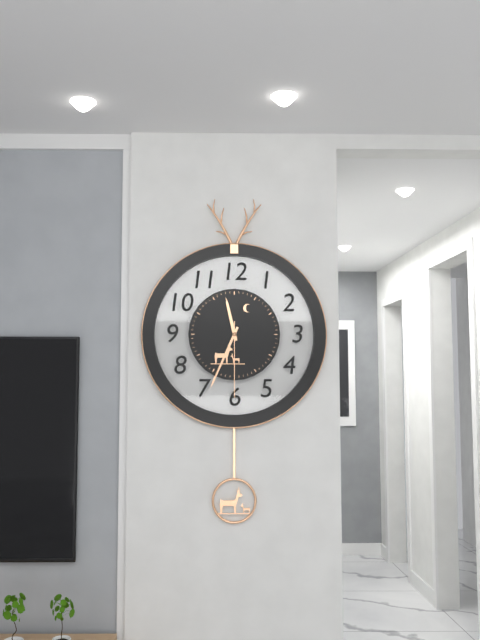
{"hour": 11, "minute": 34, "second": 30}
